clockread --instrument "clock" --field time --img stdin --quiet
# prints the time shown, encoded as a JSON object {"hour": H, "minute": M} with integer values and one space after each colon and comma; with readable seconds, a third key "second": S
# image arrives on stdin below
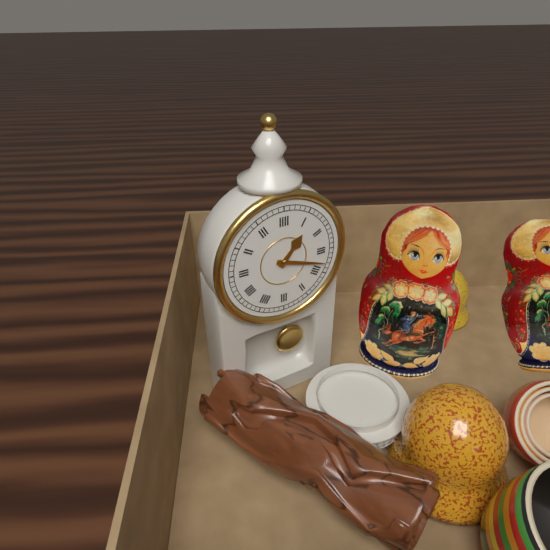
{"hour": 1, "minute": 18}
